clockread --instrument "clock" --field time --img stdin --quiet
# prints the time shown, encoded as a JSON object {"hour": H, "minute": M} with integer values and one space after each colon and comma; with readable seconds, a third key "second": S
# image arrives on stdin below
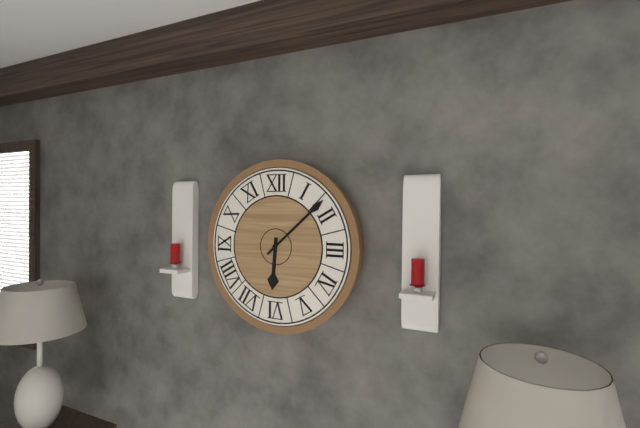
{"hour": 6, "minute": 8}
